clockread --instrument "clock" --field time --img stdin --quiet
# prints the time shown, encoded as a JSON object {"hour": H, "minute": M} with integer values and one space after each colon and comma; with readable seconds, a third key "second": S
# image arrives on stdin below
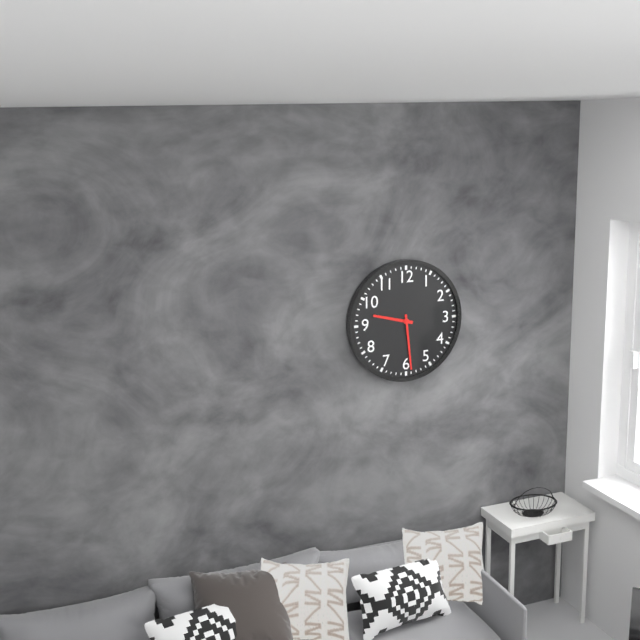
{"hour": 9, "minute": 29}
